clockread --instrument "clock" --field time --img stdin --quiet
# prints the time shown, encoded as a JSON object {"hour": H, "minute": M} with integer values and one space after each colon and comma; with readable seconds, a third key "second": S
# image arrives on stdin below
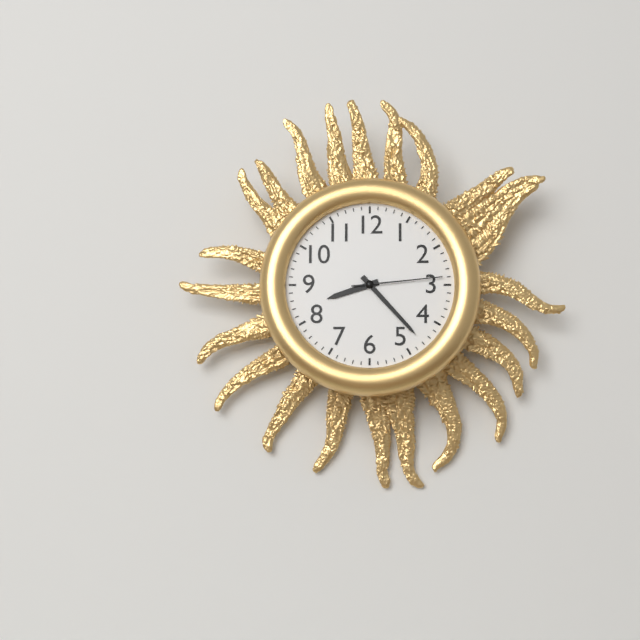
{"hour": 8, "minute": 23, "second": 14}
